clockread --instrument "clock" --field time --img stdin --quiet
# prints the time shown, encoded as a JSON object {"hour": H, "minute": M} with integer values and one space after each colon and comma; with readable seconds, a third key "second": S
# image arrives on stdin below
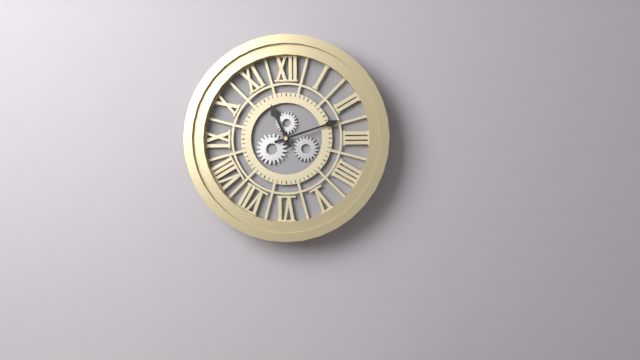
{"hour": 11, "minute": 12}
